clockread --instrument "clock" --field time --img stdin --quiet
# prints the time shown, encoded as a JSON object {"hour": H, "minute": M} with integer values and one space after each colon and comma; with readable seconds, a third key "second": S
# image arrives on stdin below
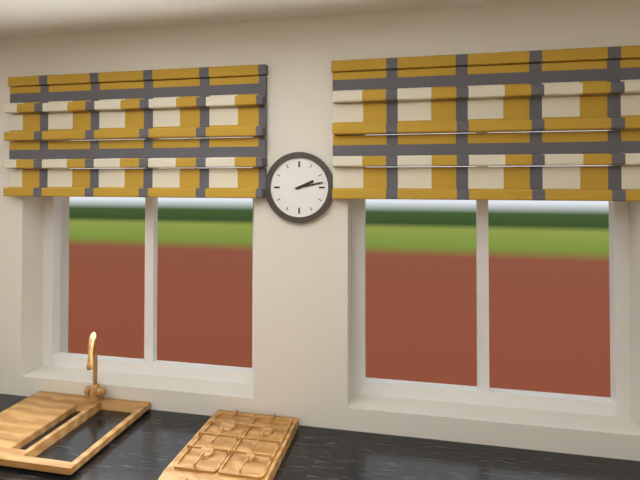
{"hour": 2, "minute": 13}
